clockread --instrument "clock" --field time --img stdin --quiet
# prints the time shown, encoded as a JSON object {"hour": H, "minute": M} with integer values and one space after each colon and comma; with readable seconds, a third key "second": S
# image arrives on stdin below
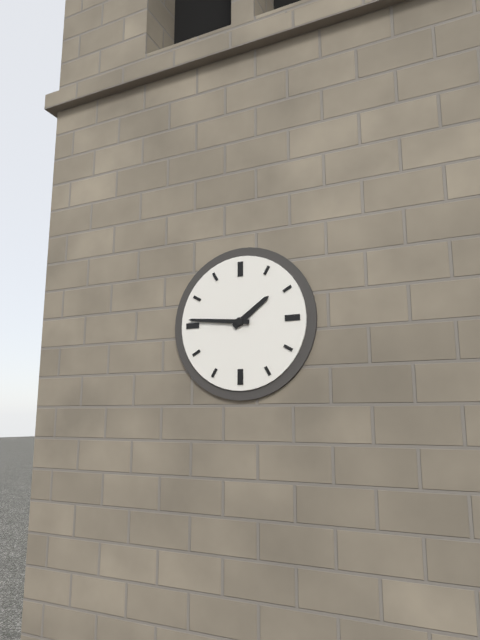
{"hour": 1, "minute": 46}
